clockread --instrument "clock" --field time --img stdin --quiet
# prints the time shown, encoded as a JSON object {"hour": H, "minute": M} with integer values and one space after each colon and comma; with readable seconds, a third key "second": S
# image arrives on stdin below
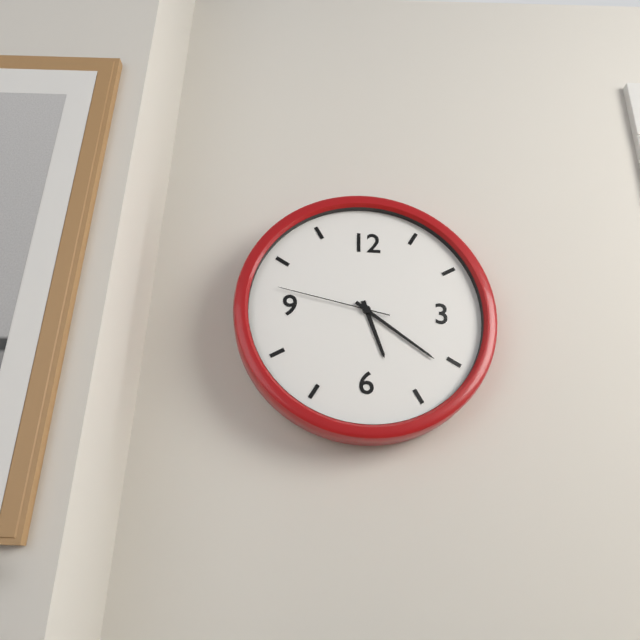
{"hour": 5, "minute": 21, "second": 47}
